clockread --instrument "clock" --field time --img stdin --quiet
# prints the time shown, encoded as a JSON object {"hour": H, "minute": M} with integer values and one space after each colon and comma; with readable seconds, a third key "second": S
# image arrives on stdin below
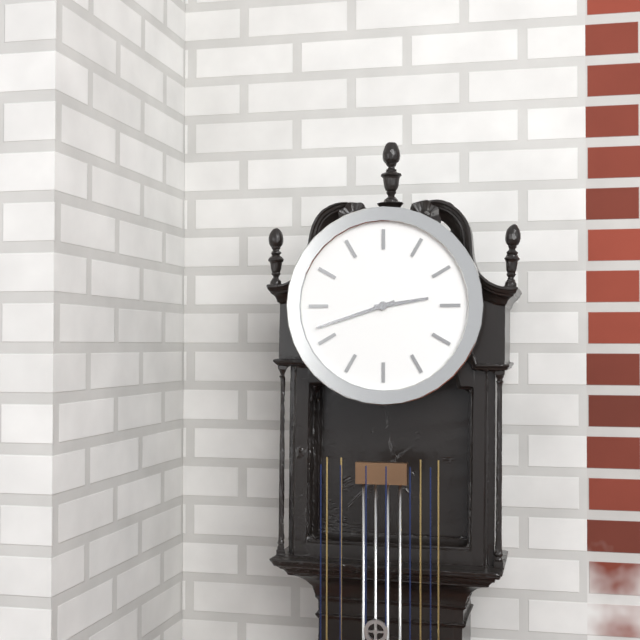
{"hour": 2, "minute": 42}
